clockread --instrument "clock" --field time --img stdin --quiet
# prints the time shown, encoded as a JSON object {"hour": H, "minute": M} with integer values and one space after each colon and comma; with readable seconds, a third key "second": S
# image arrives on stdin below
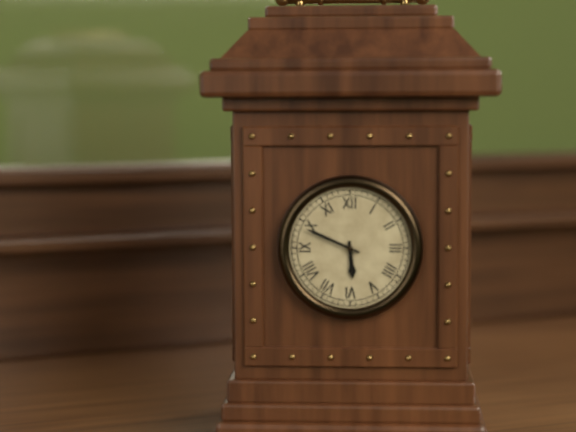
{"hour": 5, "minute": 49}
